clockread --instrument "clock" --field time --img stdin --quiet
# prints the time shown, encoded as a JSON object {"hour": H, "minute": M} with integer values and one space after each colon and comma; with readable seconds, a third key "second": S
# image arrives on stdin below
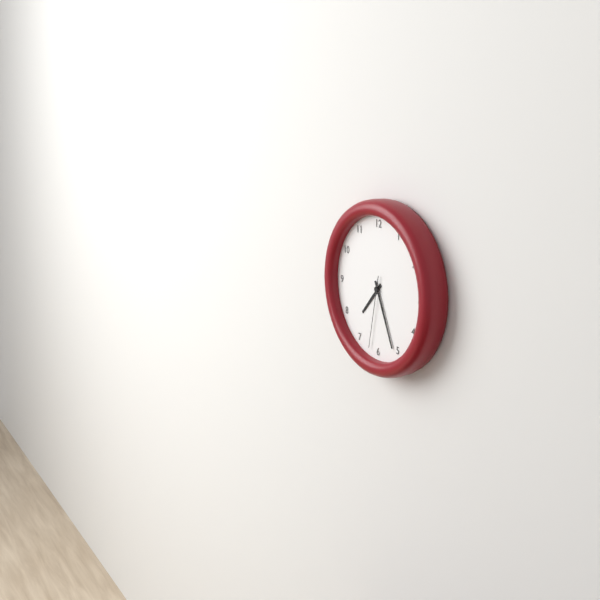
{"hour": 7, "minute": 26, "second": 32}
